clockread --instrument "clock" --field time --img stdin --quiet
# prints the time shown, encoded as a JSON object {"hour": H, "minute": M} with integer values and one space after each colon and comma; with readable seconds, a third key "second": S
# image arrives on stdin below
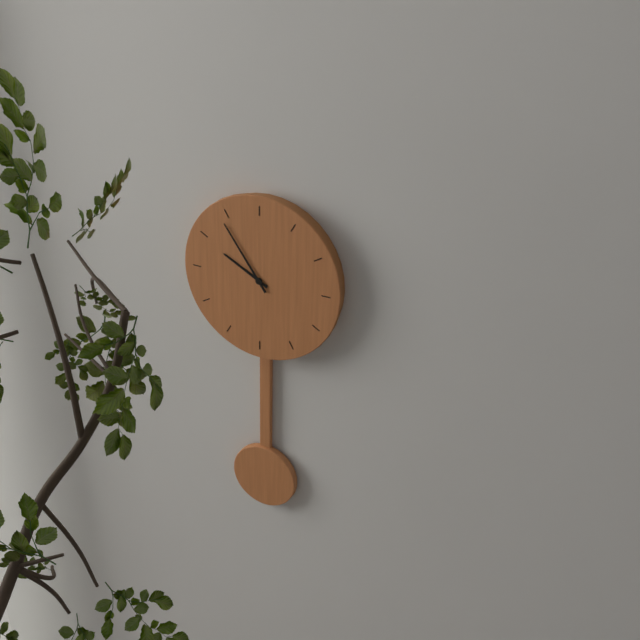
{"hour": 9, "minute": 54}
